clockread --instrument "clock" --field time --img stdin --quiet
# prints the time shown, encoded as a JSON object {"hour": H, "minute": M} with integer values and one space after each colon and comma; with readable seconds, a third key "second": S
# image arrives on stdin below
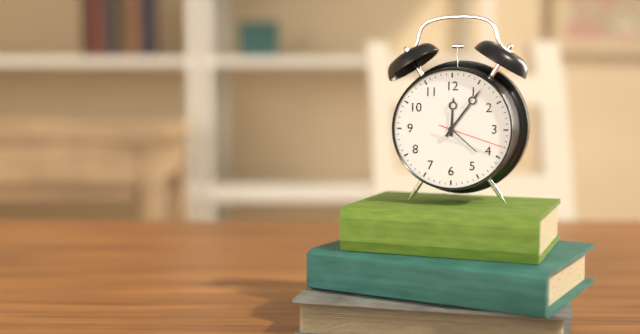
{"hour": 12, "minute": 6, "second": 18}
